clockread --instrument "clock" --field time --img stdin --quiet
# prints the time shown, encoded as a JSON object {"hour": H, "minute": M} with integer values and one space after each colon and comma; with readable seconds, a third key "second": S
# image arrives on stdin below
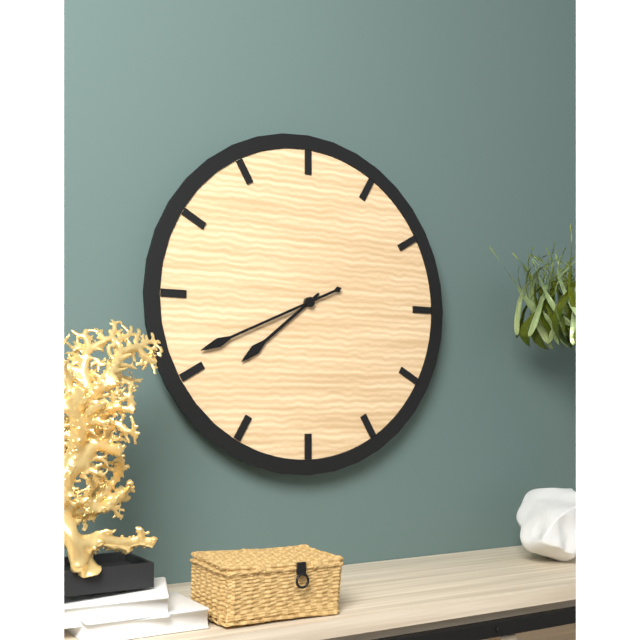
{"hour": 7, "minute": 41}
